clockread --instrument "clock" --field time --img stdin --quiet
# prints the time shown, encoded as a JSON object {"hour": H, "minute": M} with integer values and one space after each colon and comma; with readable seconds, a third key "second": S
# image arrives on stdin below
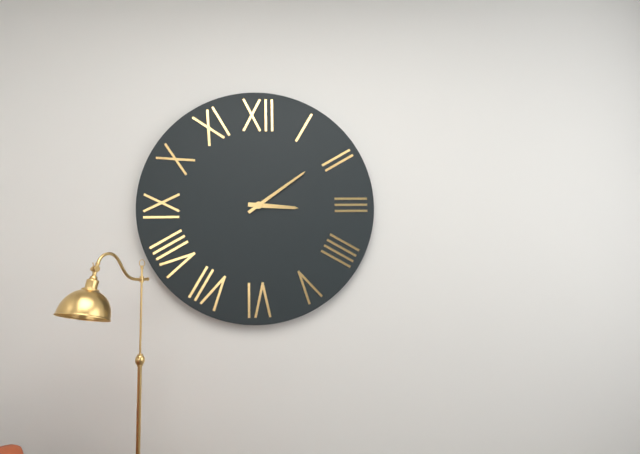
{"hour": 3, "minute": 9}
